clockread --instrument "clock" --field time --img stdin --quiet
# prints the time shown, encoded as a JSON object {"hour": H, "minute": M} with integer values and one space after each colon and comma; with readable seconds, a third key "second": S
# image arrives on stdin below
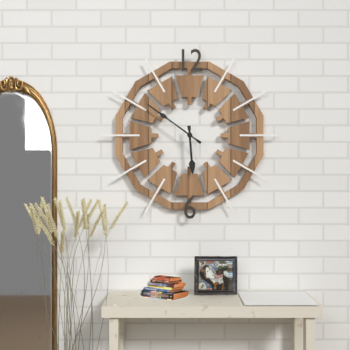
{"hour": 5, "minute": 51}
